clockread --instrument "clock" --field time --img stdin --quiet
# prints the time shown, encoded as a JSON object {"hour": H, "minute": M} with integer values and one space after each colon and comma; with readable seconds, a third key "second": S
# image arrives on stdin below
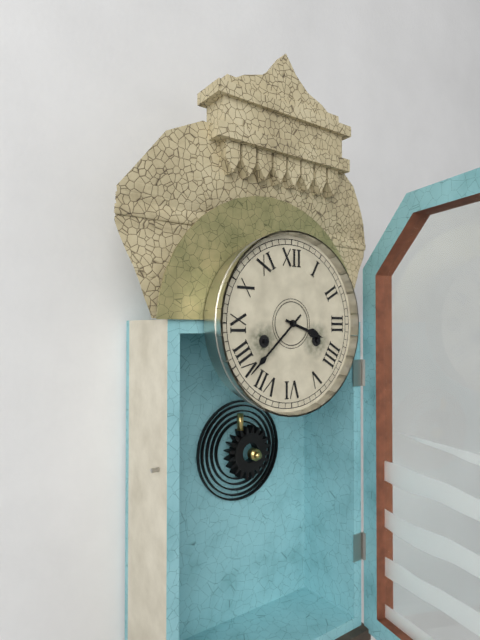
{"hour": 3, "minute": 38}
